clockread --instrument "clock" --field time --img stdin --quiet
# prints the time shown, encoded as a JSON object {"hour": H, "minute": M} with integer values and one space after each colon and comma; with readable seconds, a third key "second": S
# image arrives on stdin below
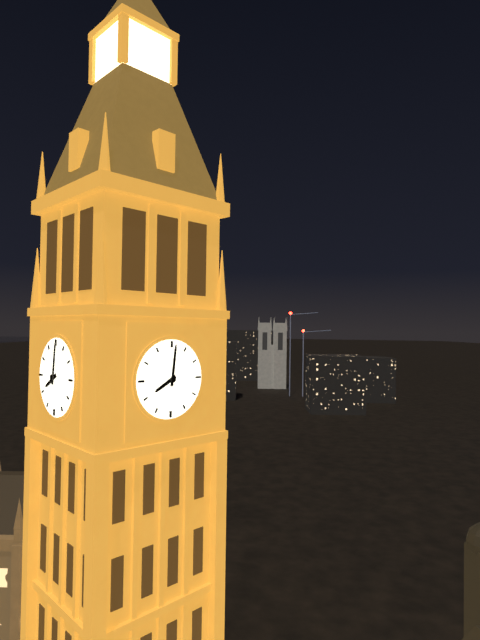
{"hour": 8, "minute": 1}
